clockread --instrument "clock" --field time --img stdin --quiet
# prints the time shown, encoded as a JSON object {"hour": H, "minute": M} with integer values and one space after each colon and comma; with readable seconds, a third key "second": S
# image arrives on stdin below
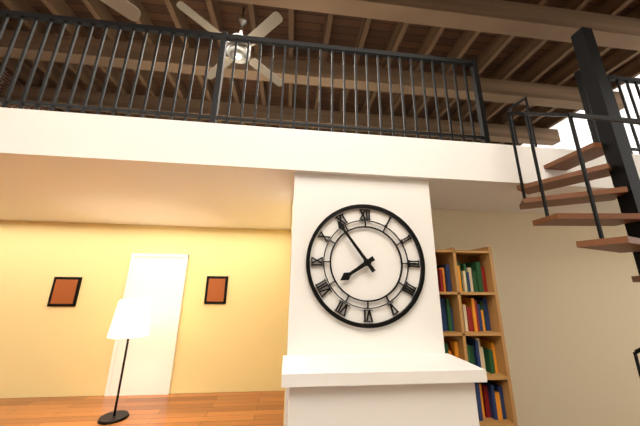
{"hour": 7, "minute": 54}
